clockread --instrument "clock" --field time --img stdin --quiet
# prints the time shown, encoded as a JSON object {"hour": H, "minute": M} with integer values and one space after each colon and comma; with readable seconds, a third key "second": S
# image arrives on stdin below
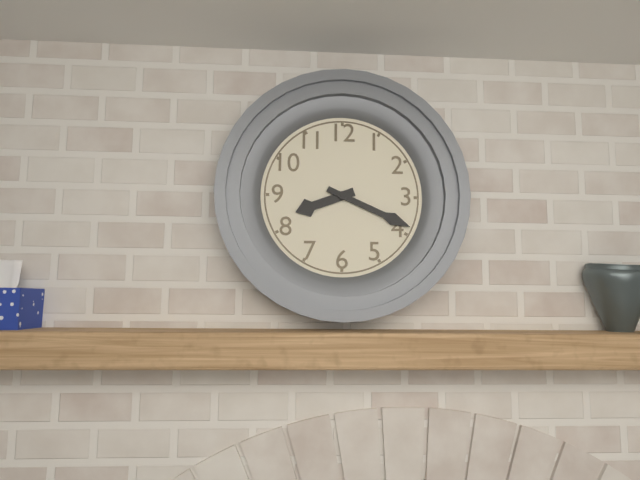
{"hour": 8, "minute": 19}
